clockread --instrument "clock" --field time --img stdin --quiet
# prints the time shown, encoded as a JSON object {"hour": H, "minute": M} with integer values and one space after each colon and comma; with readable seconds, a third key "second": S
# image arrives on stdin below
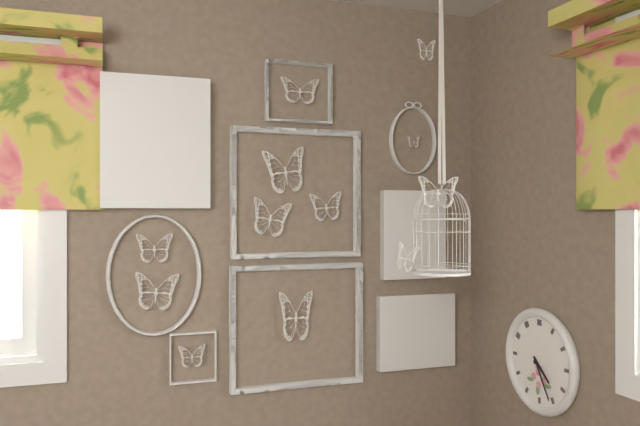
{"hour": 4, "minute": 25}
